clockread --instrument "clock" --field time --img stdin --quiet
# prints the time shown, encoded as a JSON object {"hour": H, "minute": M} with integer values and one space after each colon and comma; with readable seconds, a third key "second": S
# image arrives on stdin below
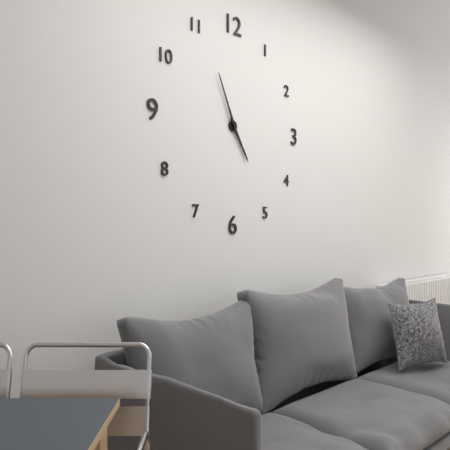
{"hour": 4, "minute": 56}
